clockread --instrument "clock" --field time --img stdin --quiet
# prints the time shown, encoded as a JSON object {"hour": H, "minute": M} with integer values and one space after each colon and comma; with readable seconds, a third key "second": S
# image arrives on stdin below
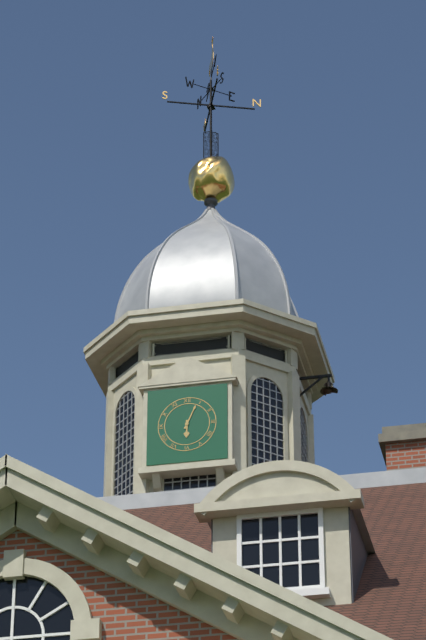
{"hour": 6, "minute": 4}
